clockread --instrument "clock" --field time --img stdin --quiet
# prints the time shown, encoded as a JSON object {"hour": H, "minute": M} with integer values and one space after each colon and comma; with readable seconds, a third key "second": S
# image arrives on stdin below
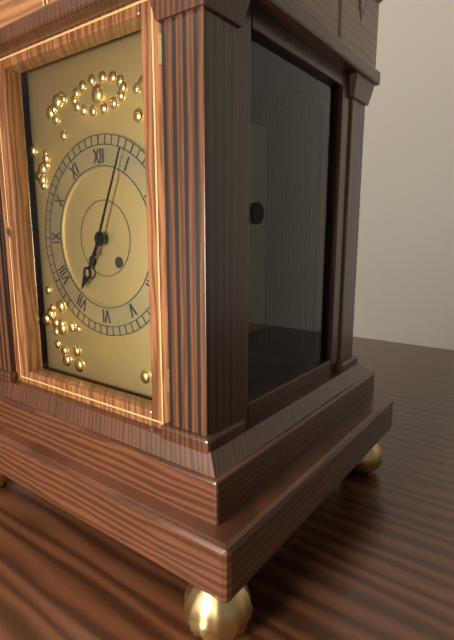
{"hour": 7, "minute": 4}
